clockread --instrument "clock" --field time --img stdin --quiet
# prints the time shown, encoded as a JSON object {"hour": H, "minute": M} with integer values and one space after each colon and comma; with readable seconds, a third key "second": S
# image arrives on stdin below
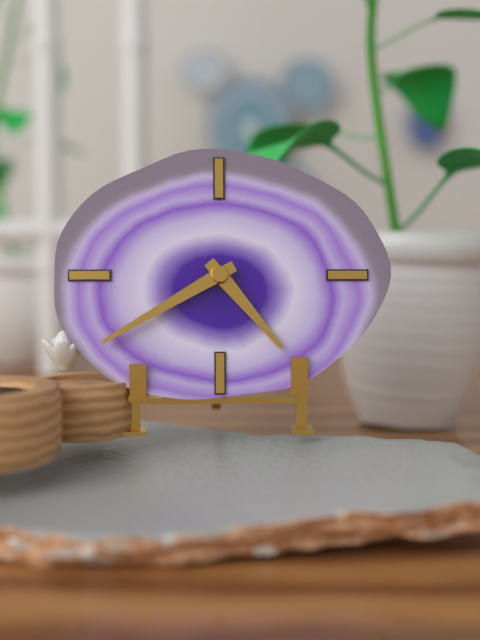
{"hour": 4, "minute": 40}
